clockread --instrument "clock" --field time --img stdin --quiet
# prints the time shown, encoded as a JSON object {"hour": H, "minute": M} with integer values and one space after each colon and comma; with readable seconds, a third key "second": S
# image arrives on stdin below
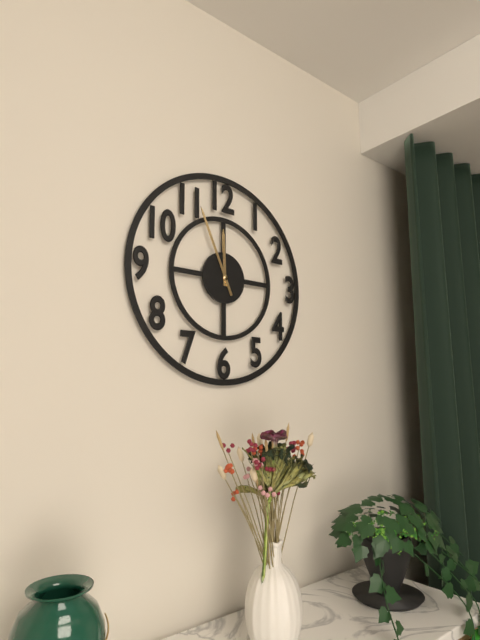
{"hour": 11, "minute": 56}
